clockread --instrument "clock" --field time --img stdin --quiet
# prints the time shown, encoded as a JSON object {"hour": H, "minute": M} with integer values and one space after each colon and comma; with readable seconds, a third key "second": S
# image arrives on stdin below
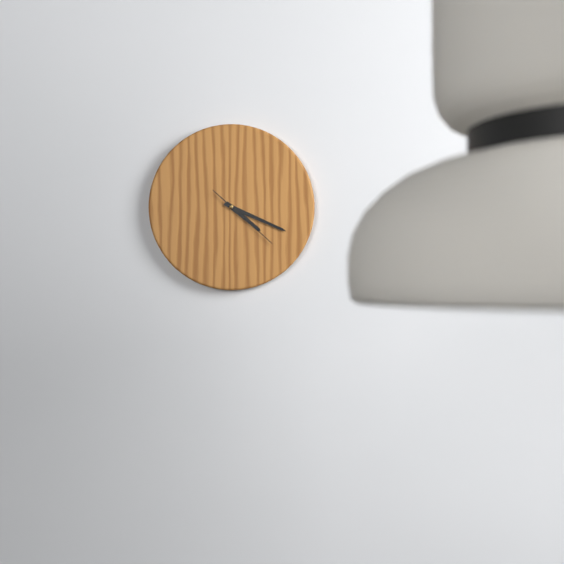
{"hour": 4, "minute": 19, "second": 22}
